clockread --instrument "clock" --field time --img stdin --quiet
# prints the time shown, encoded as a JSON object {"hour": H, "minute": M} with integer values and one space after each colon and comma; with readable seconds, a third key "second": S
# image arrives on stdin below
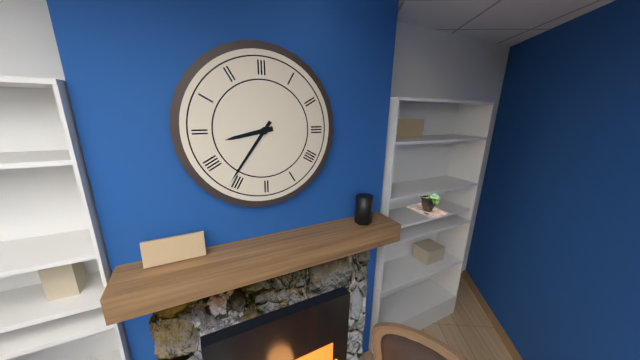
{"hour": 8, "minute": 36}
